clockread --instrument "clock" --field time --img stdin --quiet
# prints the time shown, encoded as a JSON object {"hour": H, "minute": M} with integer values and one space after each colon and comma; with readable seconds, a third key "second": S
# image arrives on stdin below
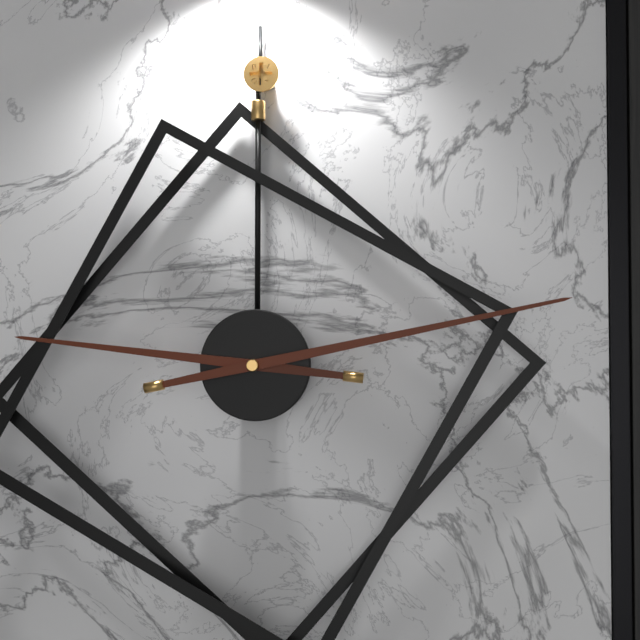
{"hour": 9, "minute": 13}
